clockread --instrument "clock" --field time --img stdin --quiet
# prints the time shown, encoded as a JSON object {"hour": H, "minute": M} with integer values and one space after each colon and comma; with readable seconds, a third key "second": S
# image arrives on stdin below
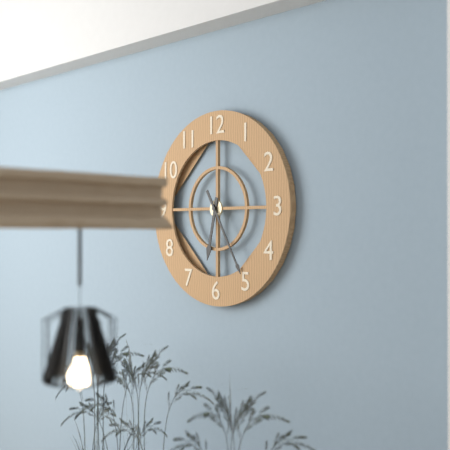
{"hour": 6, "minute": 25}
